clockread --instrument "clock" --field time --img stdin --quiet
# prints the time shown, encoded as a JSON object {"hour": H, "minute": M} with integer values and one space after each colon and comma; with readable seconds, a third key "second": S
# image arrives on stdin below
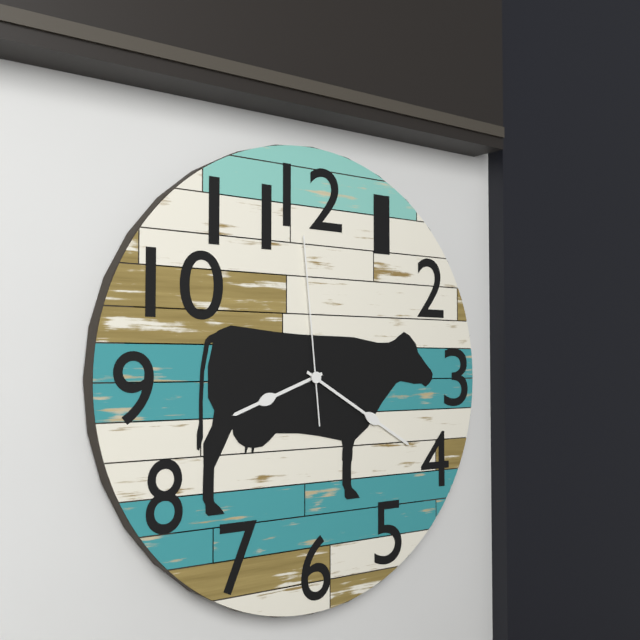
{"hour": 8, "minute": 20, "second": 59}
